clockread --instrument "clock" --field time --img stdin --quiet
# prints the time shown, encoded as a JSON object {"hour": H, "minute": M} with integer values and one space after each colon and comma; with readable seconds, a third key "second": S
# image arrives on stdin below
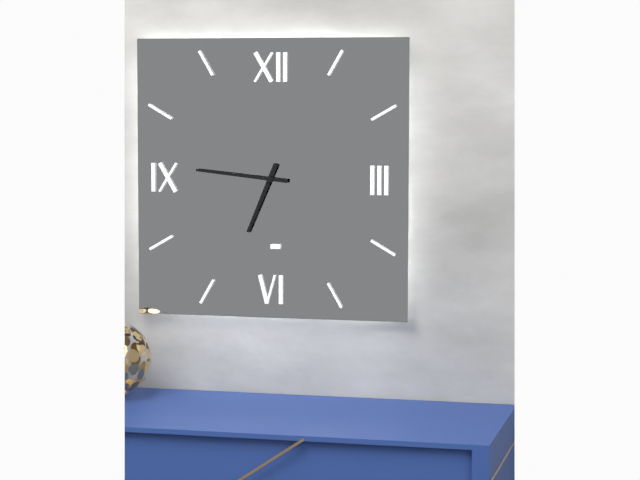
{"hour": 6, "minute": 46}
